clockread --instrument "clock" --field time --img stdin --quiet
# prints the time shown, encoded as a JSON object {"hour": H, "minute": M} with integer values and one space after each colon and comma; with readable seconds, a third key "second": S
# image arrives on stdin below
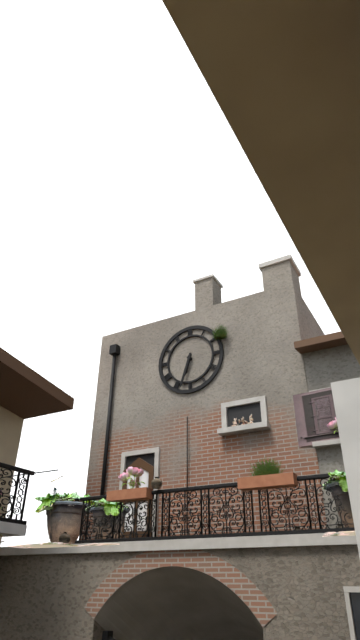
{"hour": 6, "minute": 33}
